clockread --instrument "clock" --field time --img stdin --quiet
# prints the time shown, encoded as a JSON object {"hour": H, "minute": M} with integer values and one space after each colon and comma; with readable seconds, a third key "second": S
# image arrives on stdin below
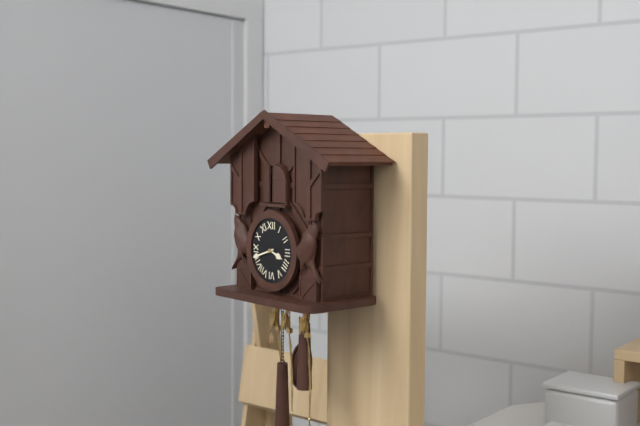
{"hour": 3, "minute": 42}
